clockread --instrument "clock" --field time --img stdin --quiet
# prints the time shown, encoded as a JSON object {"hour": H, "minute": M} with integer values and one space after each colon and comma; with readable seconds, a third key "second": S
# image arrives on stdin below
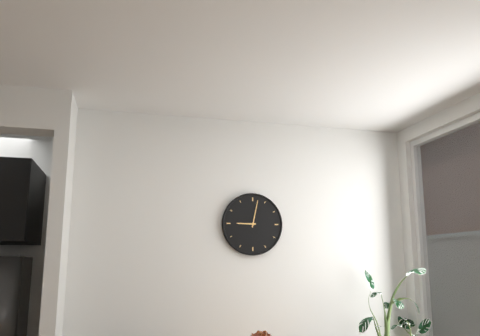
{"hour": 9, "minute": 2}
